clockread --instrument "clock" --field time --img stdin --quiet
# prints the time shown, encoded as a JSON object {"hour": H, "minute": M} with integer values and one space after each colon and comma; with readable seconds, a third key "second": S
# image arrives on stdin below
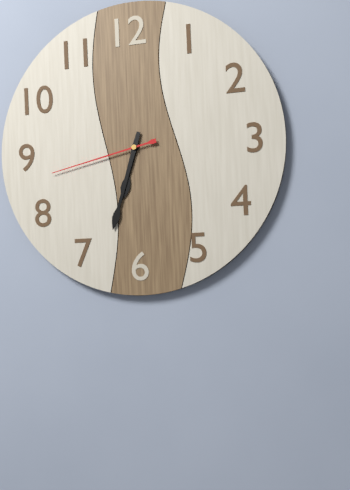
{"hour": 6, "minute": 33, "second": 43}
